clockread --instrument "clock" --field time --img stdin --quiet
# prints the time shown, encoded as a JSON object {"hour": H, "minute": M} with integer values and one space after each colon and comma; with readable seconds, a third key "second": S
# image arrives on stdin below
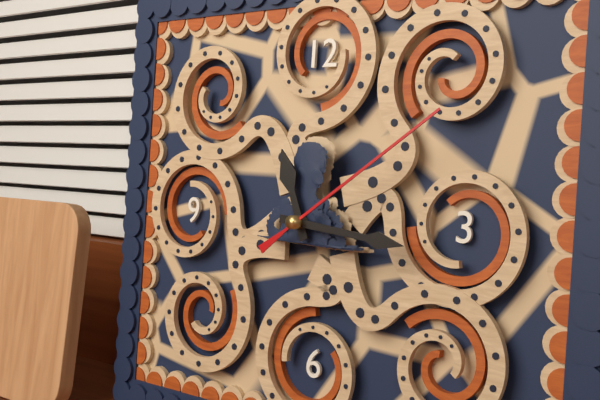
{"hour": 11, "minute": 16, "second": 9}
